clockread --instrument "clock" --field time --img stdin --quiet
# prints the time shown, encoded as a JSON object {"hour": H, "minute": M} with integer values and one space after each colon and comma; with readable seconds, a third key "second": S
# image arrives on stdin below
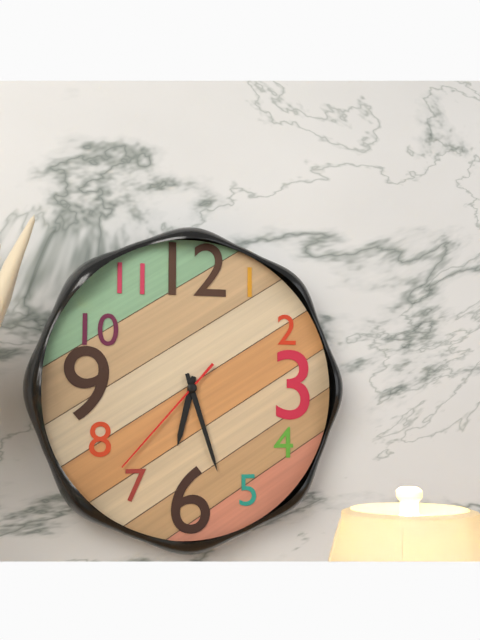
{"hour": 6, "minute": 27, "second": 37}
